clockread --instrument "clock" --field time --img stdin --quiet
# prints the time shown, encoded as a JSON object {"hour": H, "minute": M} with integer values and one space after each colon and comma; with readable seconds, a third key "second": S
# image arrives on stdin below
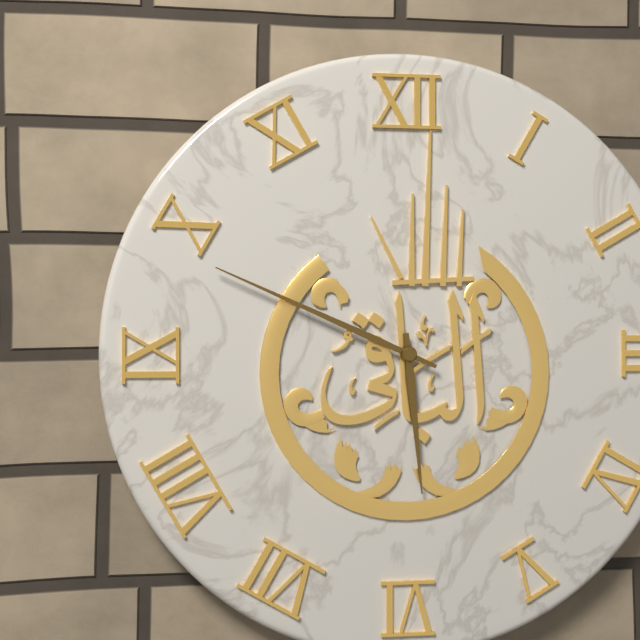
{"hour": 5, "minute": 49}
